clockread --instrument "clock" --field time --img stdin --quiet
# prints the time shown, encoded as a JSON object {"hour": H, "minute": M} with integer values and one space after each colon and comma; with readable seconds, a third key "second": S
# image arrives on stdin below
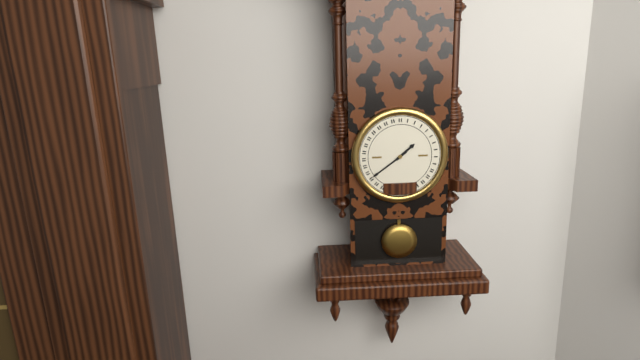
{"hour": 1, "minute": 39}
